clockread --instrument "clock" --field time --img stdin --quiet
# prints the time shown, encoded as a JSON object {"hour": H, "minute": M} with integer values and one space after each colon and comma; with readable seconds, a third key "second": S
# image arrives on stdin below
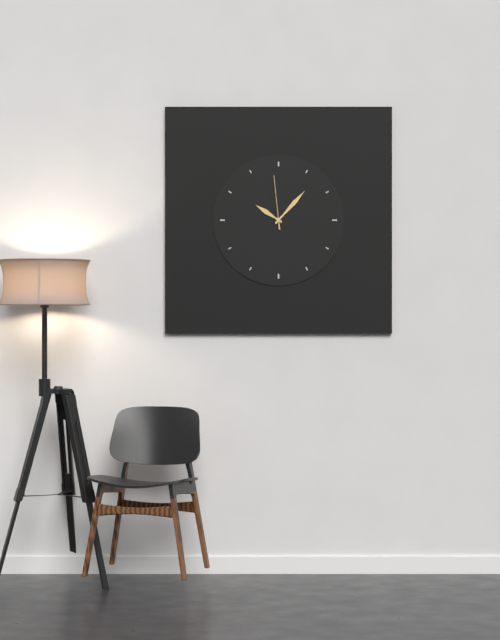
{"hour": 10, "minute": 7, "second": 59}
